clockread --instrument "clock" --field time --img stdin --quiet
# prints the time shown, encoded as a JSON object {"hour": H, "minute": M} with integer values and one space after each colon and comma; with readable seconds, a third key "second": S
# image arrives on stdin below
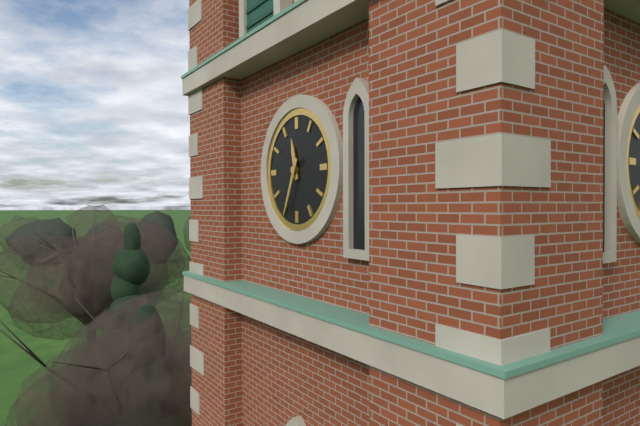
{"hour": 11, "minute": 34}
